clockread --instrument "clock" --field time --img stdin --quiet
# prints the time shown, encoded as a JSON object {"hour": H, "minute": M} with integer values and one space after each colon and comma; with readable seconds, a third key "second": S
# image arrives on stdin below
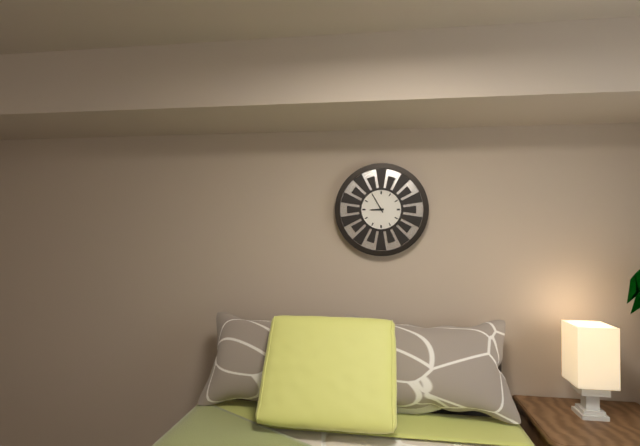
{"hour": 8, "minute": 55}
